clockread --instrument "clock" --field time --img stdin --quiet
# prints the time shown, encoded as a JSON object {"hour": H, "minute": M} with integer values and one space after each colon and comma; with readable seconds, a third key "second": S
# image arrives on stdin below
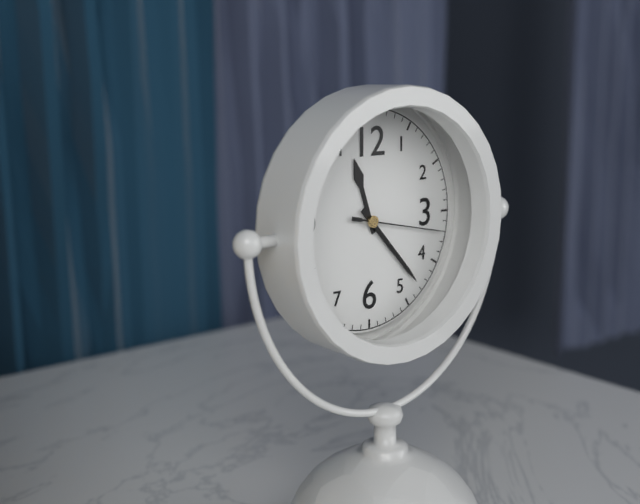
{"hour": 11, "minute": 23, "second": 17}
